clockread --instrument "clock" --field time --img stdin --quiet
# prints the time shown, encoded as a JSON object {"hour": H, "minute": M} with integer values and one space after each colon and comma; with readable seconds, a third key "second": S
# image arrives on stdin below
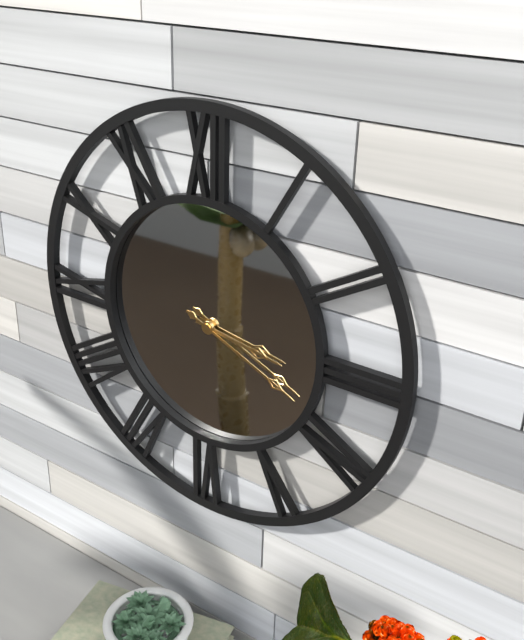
{"hour": 3, "minute": 19}
